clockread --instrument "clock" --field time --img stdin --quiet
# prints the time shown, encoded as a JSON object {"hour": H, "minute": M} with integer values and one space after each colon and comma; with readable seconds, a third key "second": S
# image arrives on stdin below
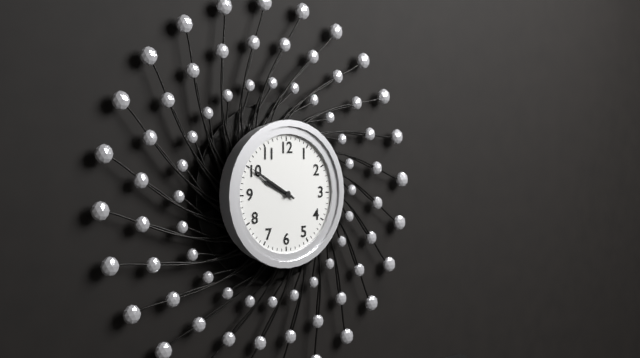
{"hour": 9, "minute": 50}
